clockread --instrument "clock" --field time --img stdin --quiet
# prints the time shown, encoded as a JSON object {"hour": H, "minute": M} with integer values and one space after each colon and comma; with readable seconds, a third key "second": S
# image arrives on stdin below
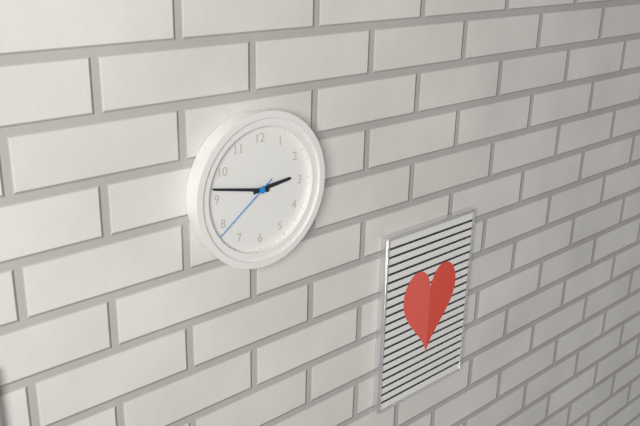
{"hour": 2, "minute": 47, "second": 39}
